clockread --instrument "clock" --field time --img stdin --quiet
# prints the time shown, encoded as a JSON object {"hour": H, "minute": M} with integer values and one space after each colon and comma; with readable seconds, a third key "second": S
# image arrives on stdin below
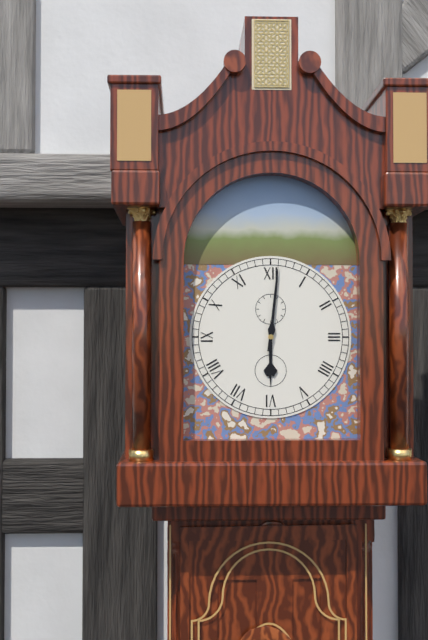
{"hour": 6, "minute": 1}
